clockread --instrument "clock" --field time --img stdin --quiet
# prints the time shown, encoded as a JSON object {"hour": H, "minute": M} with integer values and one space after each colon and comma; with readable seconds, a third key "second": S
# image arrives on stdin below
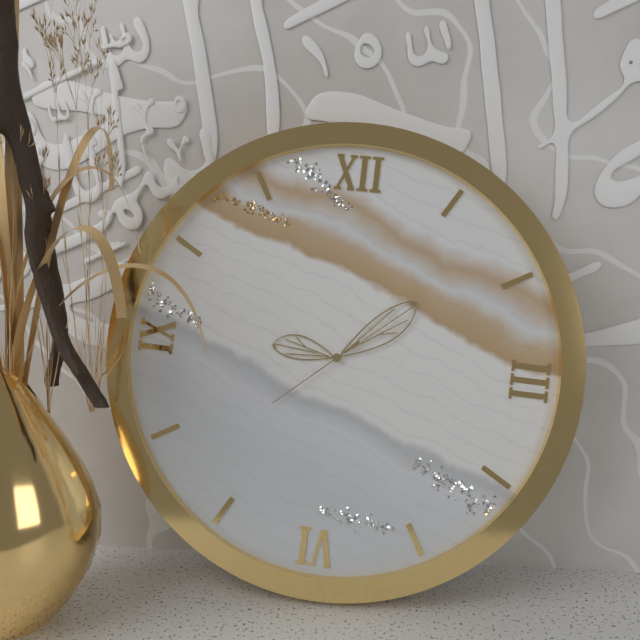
{"hour": 9, "minute": 8, "second": 38}
